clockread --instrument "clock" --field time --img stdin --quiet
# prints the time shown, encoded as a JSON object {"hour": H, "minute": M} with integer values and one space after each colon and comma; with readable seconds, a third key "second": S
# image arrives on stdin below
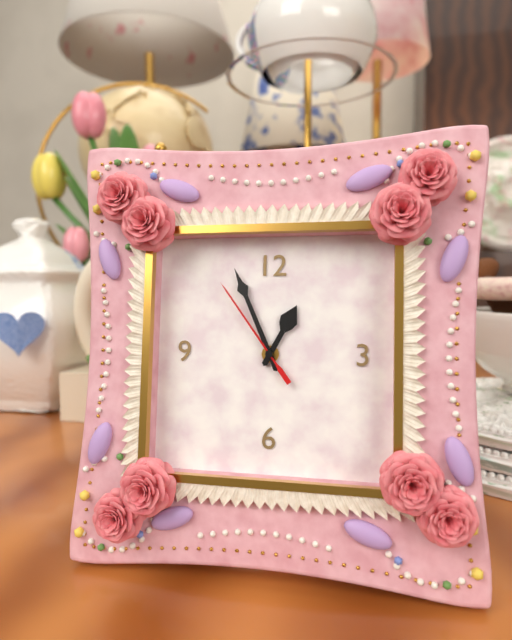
{"hour": 12, "minute": 56, "second": 54}
